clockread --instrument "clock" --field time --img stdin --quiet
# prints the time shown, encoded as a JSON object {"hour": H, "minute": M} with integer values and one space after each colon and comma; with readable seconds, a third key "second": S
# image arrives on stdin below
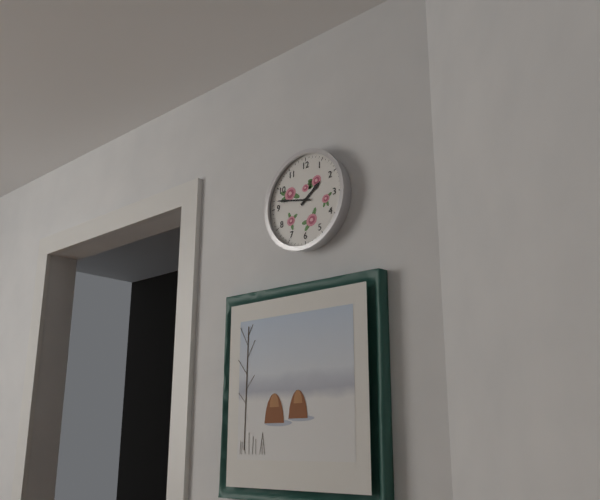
{"hour": 1, "minute": 47}
